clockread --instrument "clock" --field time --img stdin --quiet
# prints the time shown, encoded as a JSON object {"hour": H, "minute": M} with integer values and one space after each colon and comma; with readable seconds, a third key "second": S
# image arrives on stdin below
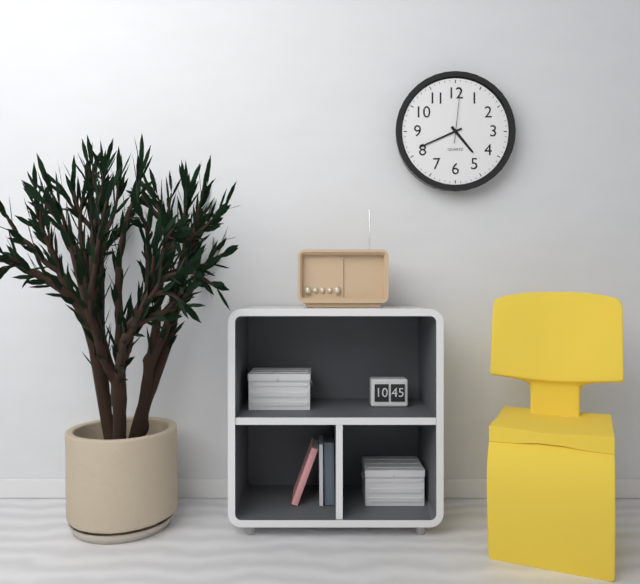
{"hour": 4, "minute": 41, "second": 1}
